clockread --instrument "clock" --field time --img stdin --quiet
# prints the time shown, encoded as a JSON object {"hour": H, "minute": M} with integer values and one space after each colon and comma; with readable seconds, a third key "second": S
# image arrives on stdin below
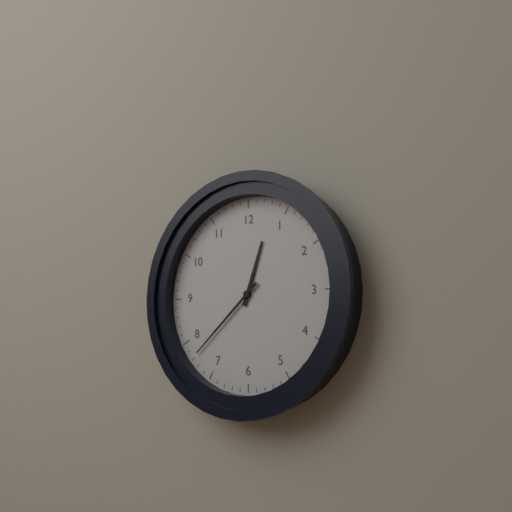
{"hour": 12, "minute": 38}
